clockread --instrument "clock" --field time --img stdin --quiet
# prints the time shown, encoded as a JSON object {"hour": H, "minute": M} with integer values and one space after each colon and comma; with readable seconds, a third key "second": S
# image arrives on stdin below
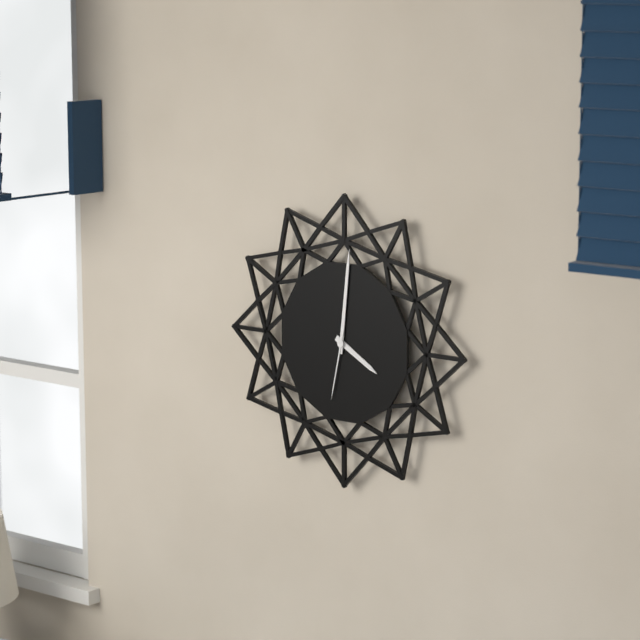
{"hour": 4, "minute": 1, "second": 32}
